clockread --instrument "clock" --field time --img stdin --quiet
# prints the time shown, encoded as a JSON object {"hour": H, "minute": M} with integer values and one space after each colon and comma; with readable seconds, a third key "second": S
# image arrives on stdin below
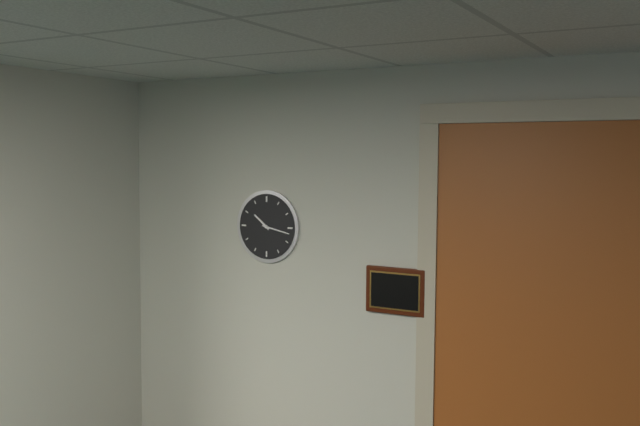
{"hour": 10, "minute": 17}
